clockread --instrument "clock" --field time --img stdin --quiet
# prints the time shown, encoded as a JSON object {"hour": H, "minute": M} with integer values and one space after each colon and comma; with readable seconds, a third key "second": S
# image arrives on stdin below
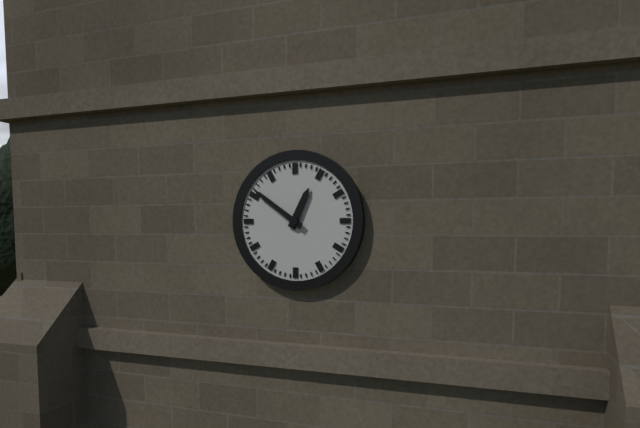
{"hour": 12, "minute": 51}
